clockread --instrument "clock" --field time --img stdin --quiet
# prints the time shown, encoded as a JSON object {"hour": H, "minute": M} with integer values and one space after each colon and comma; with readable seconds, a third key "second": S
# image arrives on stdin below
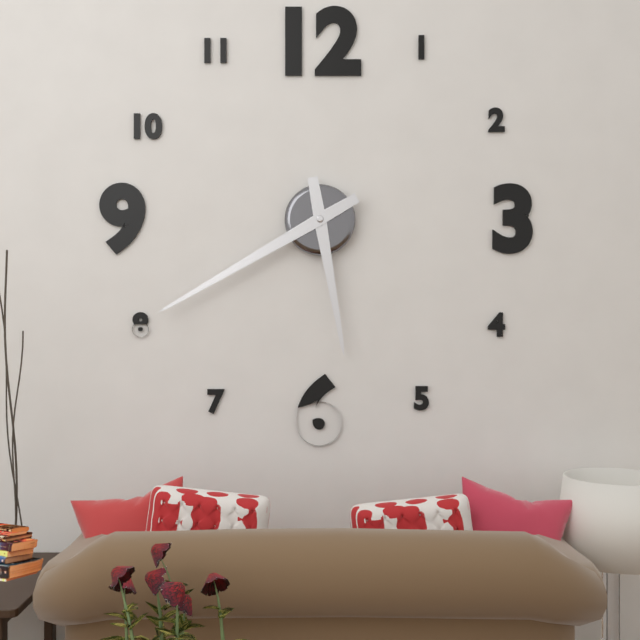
{"hour": 5, "minute": 40}
